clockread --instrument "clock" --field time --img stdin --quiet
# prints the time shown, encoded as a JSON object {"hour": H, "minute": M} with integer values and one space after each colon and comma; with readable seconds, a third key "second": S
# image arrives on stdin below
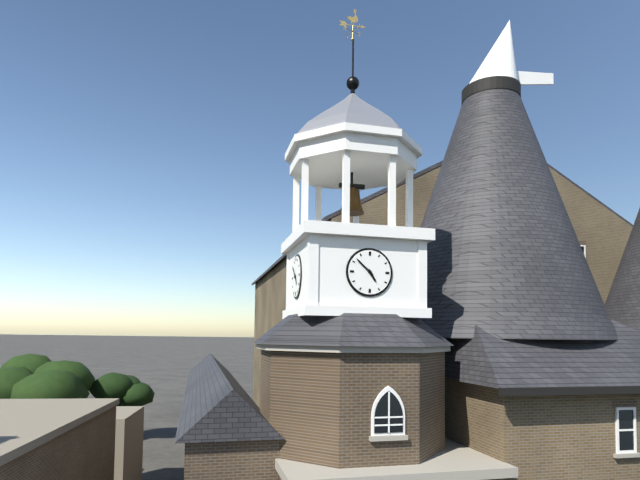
{"hour": 4, "minute": 52}
